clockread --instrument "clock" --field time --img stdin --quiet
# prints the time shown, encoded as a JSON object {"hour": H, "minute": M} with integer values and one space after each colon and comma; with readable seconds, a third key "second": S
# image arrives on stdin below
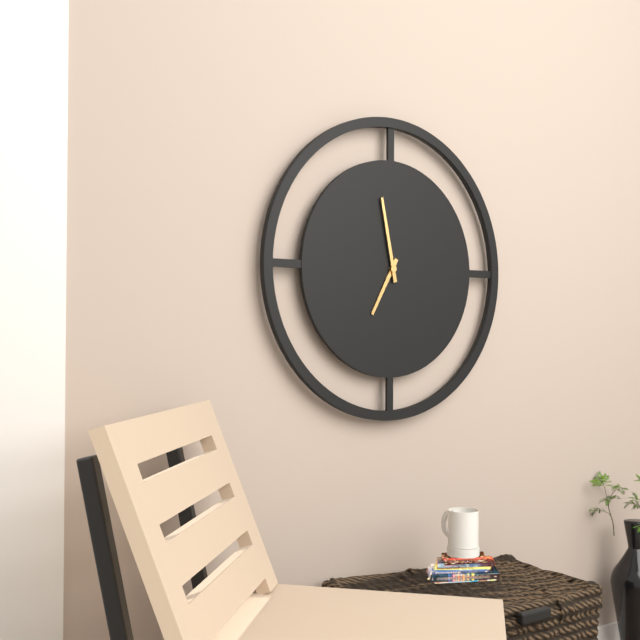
{"hour": 6, "minute": 58}
